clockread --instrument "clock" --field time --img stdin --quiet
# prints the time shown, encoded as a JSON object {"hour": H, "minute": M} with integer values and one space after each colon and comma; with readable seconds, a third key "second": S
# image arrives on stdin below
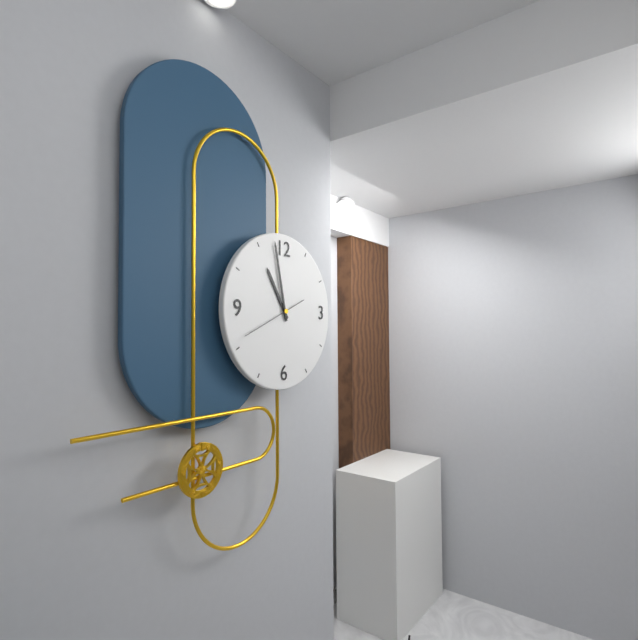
{"hour": 10, "minute": 58}
